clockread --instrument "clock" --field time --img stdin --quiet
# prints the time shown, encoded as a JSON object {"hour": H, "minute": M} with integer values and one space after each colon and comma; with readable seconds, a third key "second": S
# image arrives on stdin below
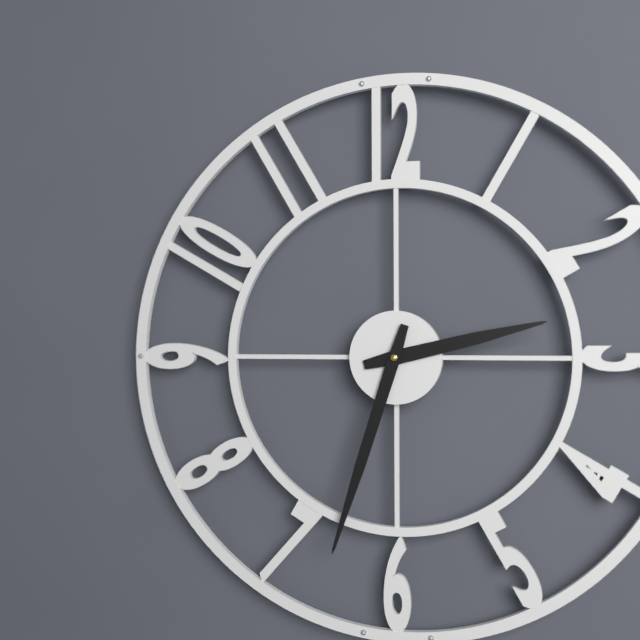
{"hour": 2, "minute": 33}
